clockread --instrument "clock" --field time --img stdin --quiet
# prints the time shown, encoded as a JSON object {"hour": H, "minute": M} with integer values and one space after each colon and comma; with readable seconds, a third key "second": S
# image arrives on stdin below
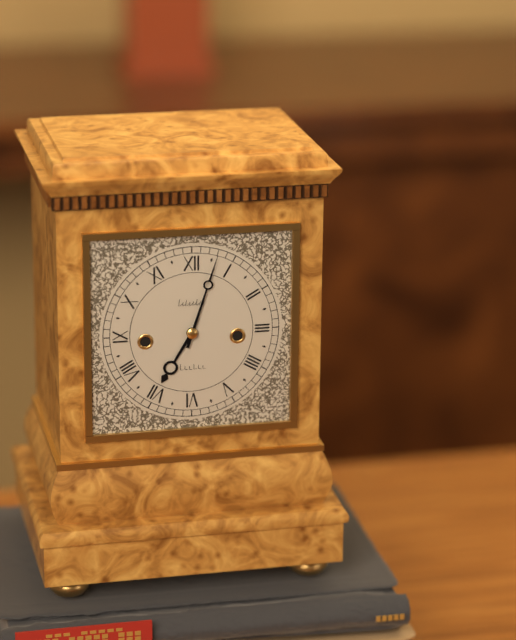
{"hour": 7, "minute": 3}
